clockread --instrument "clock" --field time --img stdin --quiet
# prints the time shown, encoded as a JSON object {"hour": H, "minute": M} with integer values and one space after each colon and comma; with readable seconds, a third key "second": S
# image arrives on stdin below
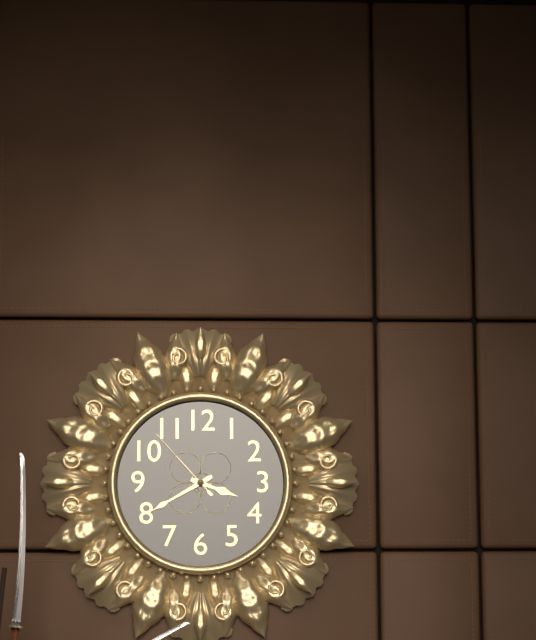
{"hour": 3, "minute": 40, "second": 53}
